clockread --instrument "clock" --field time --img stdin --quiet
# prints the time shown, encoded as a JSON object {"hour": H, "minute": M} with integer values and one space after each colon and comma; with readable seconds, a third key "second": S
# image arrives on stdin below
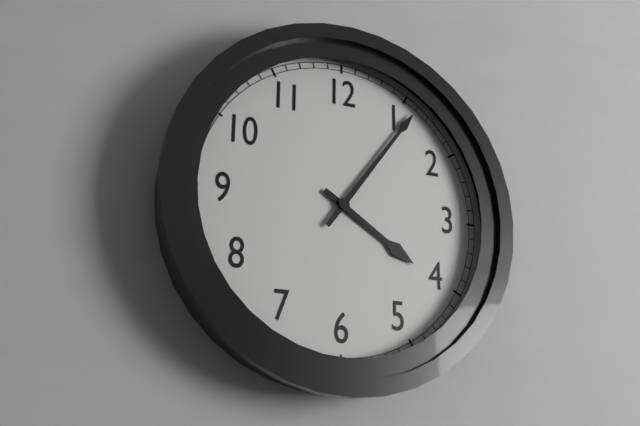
{"hour": 4, "minute": 6}
